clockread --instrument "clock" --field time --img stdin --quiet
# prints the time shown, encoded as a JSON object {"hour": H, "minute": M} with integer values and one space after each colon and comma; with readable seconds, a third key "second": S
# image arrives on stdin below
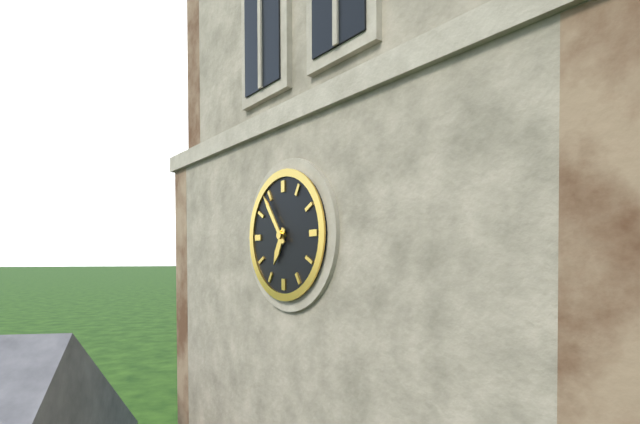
{"hour": 6, "minute": 54}
